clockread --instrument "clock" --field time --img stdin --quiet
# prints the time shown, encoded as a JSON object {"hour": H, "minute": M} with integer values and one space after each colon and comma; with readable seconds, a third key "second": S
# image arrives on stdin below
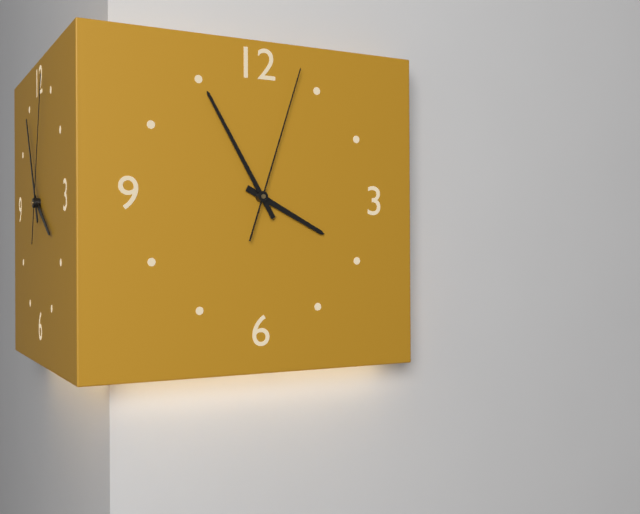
{"hour": 3, "minute": 55, "second": 3}
